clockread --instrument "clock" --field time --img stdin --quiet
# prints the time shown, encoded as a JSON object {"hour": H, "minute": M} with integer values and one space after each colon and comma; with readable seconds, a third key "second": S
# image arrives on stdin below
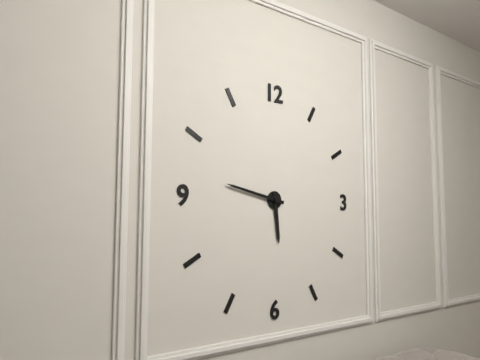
{"hour": 5, "minute": 47}
